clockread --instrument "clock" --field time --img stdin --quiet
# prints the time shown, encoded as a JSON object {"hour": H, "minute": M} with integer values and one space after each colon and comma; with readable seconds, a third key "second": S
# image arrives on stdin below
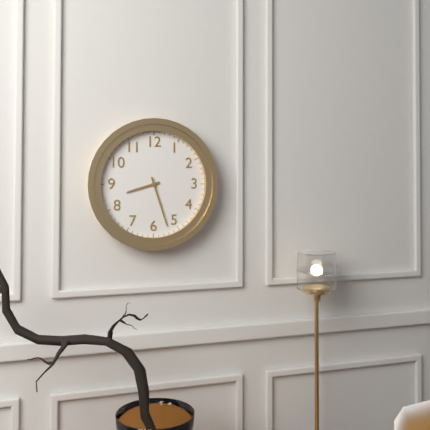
{"hour": 8, "minute": 27}
